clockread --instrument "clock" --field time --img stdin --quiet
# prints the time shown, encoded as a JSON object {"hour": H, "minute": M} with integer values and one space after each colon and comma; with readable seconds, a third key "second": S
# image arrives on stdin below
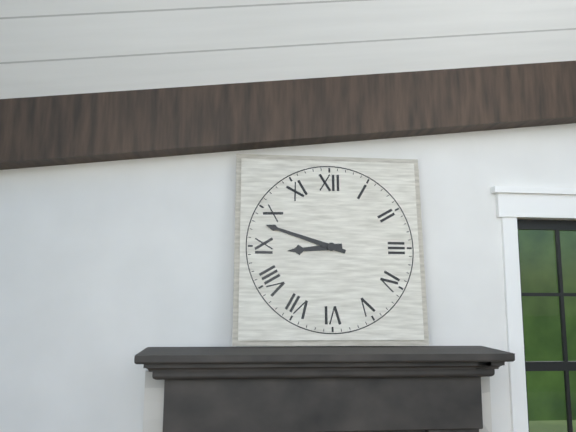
{"hour": 8, "minute": 48}
